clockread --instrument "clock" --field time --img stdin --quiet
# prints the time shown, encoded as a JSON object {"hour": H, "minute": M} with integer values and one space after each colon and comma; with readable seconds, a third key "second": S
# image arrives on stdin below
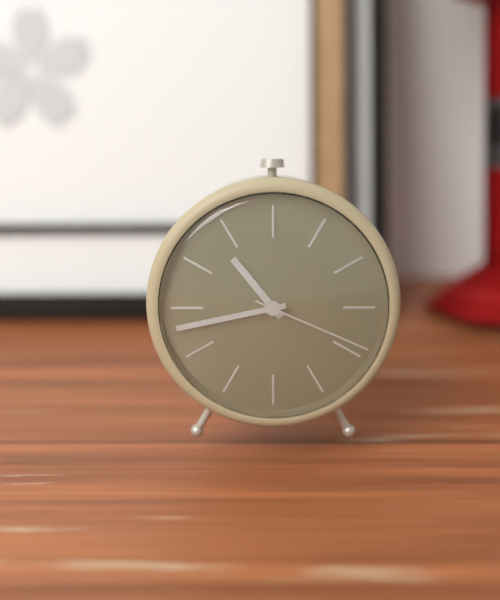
{"hour": 10, "minute": 43, "second": 19}
